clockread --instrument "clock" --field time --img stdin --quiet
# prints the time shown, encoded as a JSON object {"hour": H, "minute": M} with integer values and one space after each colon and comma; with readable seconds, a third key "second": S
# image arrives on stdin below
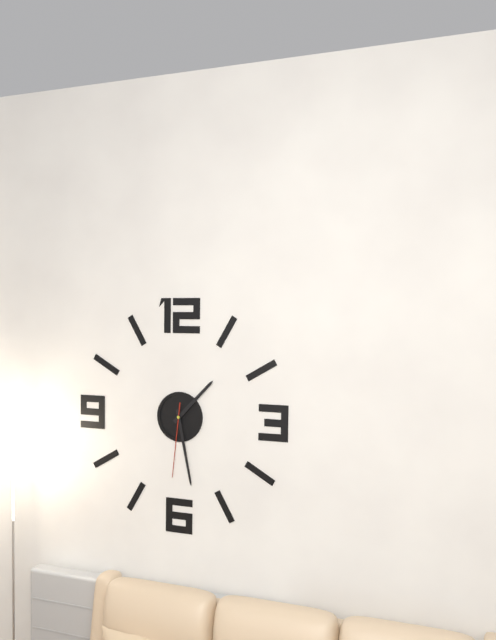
{"hour": 1, "minute": 28, "second": 31}
